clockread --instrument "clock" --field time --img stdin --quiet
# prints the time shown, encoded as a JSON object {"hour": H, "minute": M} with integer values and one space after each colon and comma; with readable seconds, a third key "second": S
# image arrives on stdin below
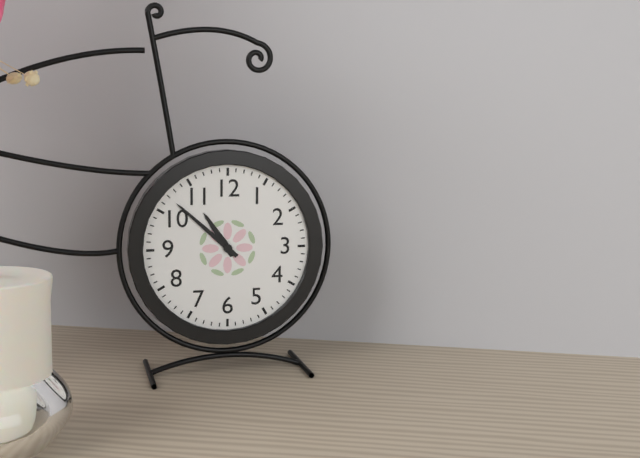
{"hour": 10, "minute": 52}
